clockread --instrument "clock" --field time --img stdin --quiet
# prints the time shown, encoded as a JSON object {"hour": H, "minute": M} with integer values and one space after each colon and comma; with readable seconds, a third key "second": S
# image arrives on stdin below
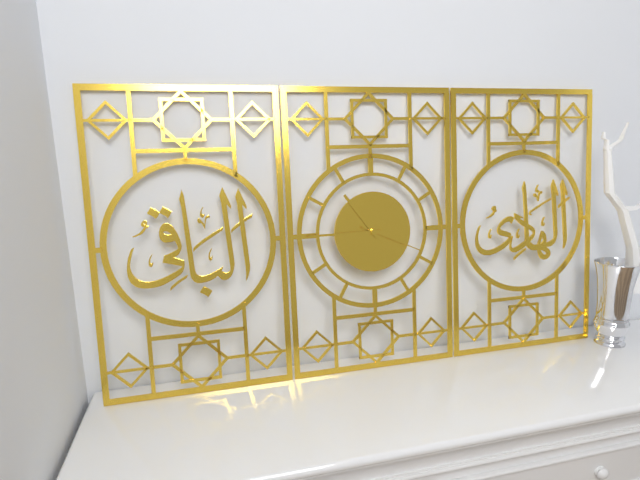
{"hour": 10, "minute": 45, "second": 19}
